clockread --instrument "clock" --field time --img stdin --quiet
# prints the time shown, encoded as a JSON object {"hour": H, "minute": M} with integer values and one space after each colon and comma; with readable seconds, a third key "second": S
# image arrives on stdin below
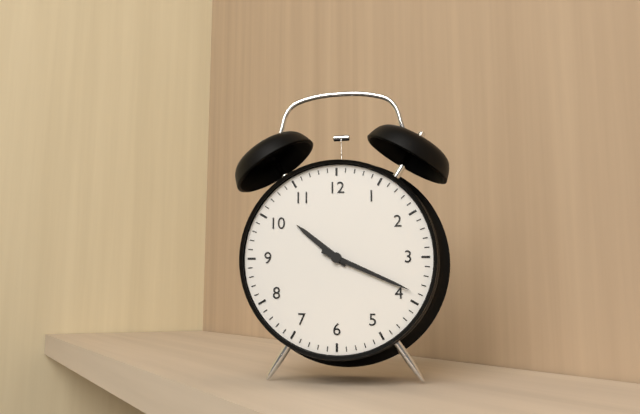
{"hour": 10, "minute": 19}
